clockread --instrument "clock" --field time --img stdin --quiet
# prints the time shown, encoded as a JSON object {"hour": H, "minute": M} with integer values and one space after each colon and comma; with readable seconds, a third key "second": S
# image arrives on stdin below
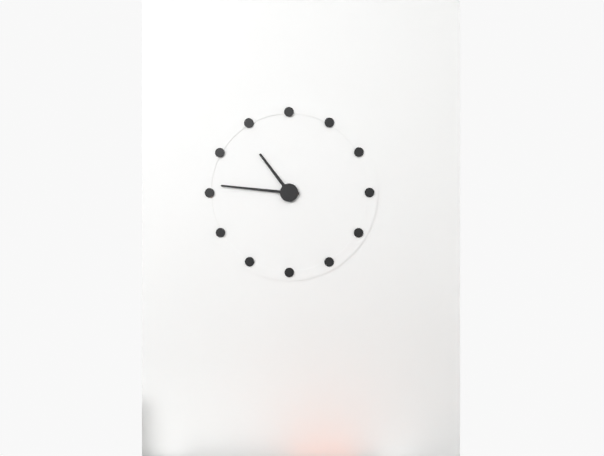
{"hour": 10, "minute": 46}
